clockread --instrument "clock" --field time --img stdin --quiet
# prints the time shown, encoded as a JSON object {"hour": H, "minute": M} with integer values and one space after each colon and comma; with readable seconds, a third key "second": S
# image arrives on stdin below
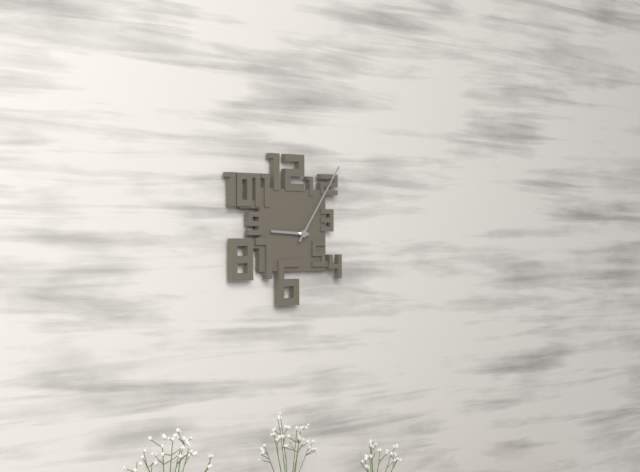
{"hour": 9, "minute": 6}
